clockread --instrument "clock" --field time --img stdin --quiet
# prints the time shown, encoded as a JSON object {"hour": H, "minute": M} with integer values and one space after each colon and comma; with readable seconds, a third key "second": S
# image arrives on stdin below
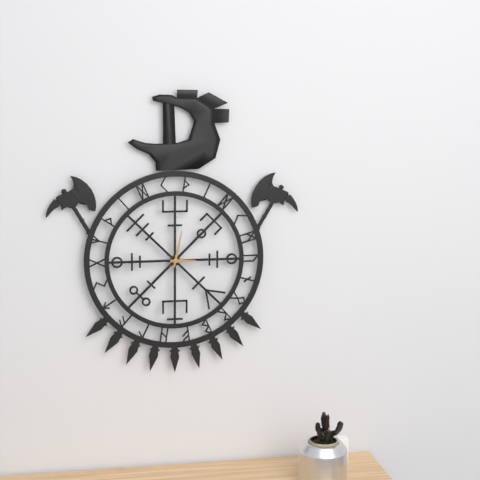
{"hour": 3, "minute": 2}
